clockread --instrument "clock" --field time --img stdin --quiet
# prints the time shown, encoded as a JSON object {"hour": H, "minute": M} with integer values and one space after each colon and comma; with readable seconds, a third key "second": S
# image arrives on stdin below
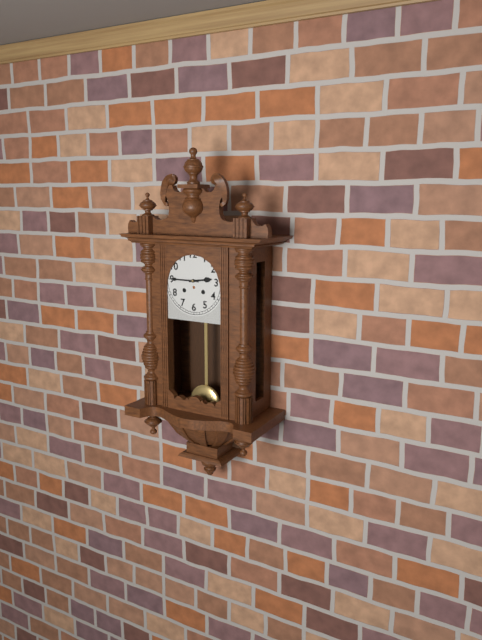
{"hour": 2, "minute": 45}
